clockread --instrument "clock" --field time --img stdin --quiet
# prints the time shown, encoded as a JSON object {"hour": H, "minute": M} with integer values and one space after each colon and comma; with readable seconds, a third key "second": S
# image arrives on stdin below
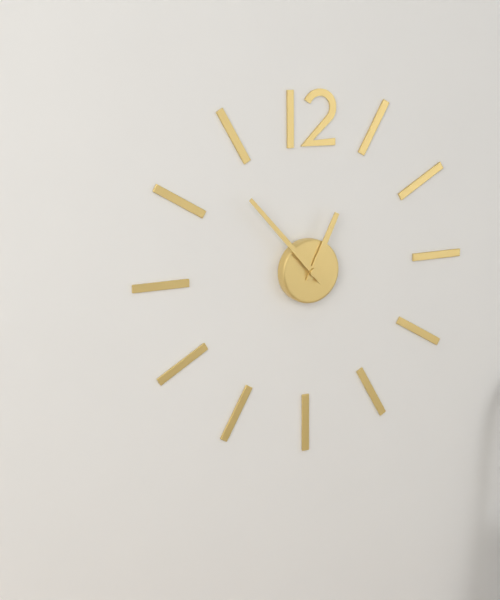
{"hour": 12, "minute": 53}
